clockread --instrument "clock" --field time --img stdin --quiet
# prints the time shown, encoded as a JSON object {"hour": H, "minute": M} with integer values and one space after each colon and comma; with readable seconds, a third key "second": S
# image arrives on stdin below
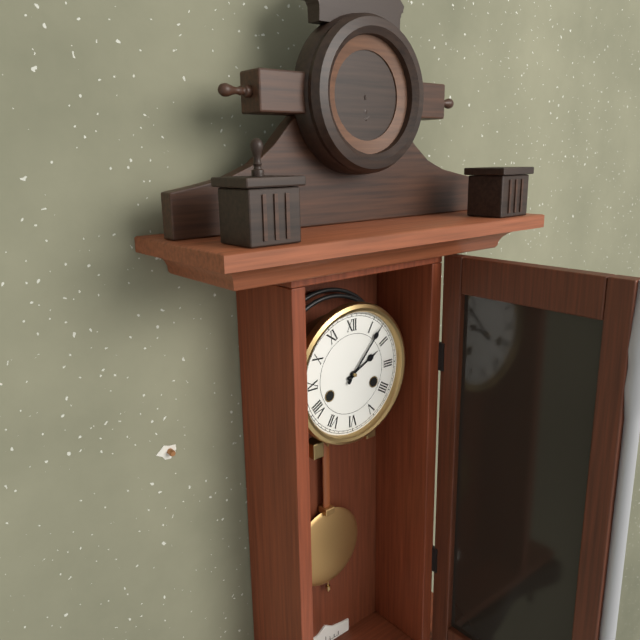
{"hour": 2, "minute": 7}
